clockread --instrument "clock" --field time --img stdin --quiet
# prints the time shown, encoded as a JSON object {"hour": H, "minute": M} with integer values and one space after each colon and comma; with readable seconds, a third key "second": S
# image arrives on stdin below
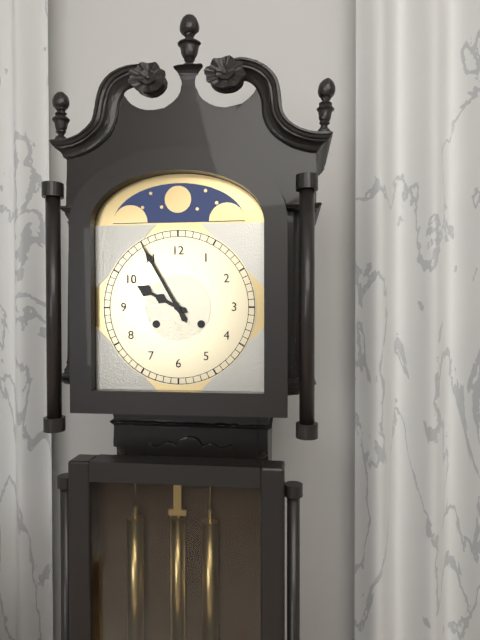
{"hour": 9, "minute": 55}
